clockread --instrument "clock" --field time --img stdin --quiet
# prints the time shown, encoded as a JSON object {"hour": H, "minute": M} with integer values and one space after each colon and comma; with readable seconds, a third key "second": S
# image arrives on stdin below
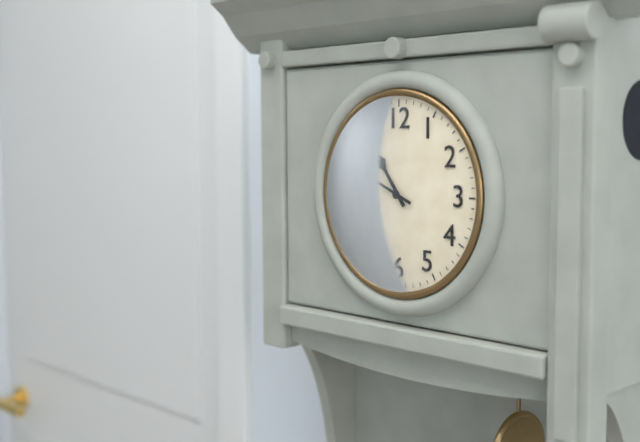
{"hour": 10, "minute": 49}
